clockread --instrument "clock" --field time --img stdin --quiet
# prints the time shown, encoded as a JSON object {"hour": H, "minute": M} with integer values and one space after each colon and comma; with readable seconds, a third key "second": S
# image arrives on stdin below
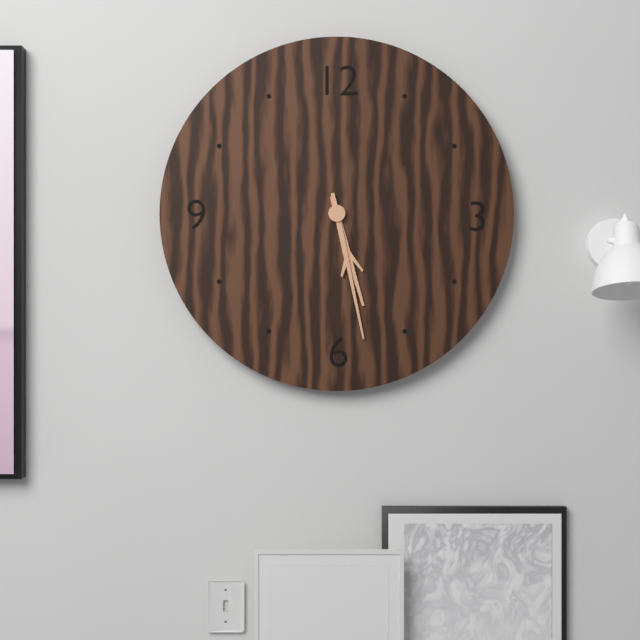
{"hour": 5, "minute": 28}
